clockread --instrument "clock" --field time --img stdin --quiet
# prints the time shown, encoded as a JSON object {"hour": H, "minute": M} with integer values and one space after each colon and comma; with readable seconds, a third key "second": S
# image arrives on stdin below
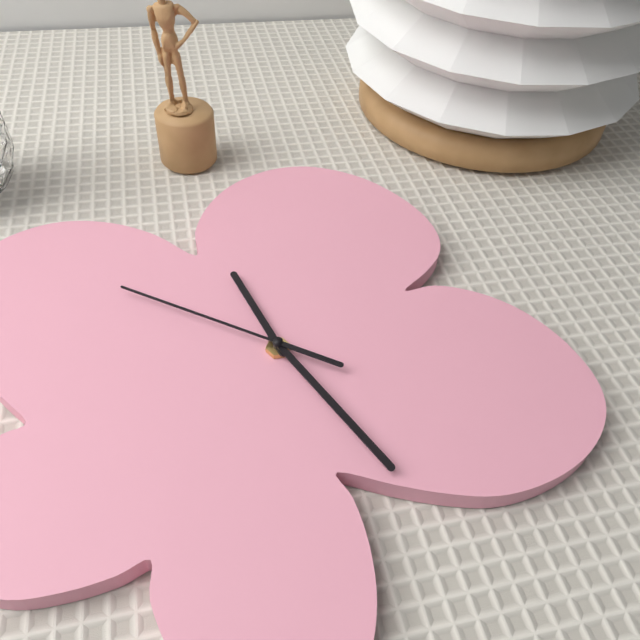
{"hour": 12, "minute": 31, "second": 56}
